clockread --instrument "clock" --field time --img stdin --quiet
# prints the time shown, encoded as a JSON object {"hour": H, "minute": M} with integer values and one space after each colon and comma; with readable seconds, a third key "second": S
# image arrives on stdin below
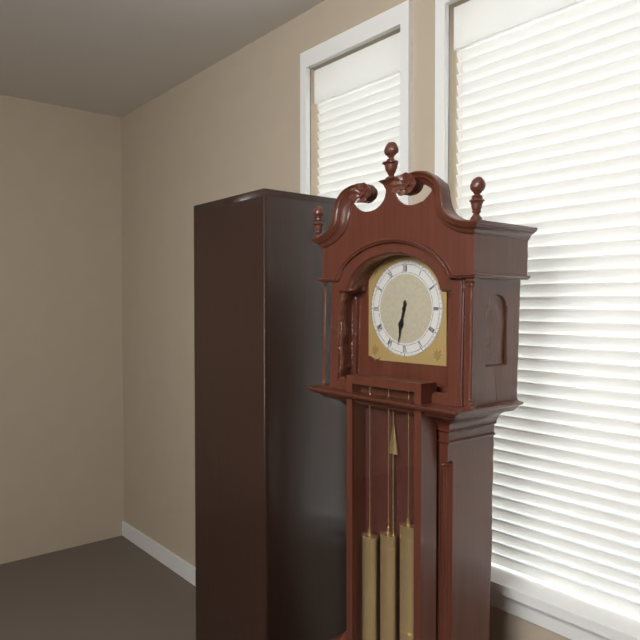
{"hour": 6, "minute": 32}
